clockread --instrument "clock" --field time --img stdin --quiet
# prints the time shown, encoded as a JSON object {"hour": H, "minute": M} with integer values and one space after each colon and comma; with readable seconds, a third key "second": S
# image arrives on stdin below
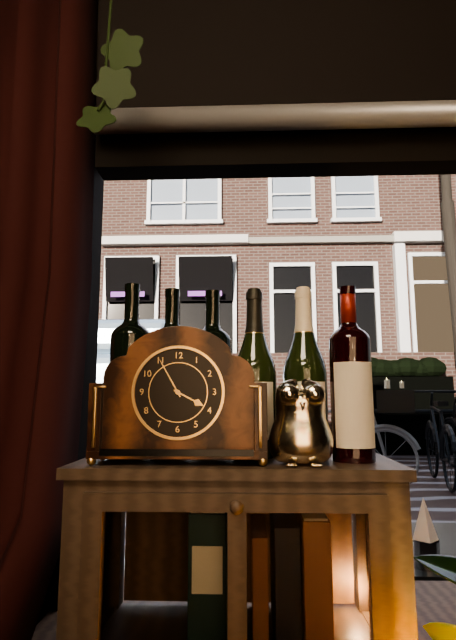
{"hour": 3, "minute": 55}
